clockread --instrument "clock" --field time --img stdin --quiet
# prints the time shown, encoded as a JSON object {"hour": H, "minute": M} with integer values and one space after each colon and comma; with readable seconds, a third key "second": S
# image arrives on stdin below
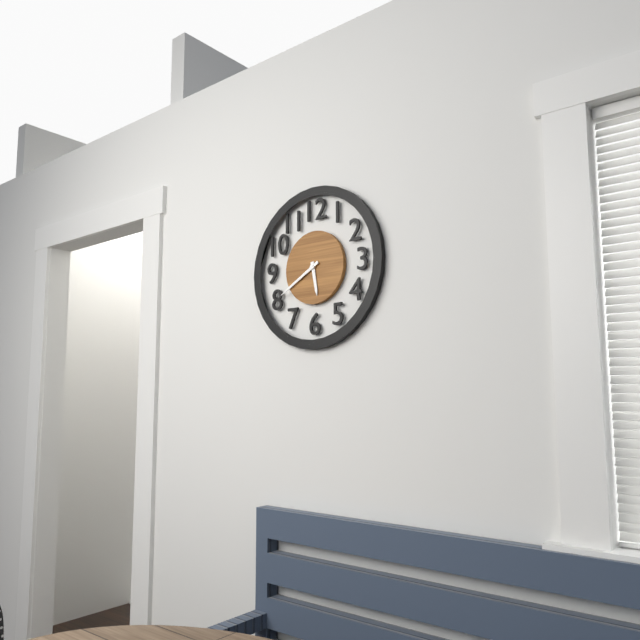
{"hour": 5, "minute": 40}
